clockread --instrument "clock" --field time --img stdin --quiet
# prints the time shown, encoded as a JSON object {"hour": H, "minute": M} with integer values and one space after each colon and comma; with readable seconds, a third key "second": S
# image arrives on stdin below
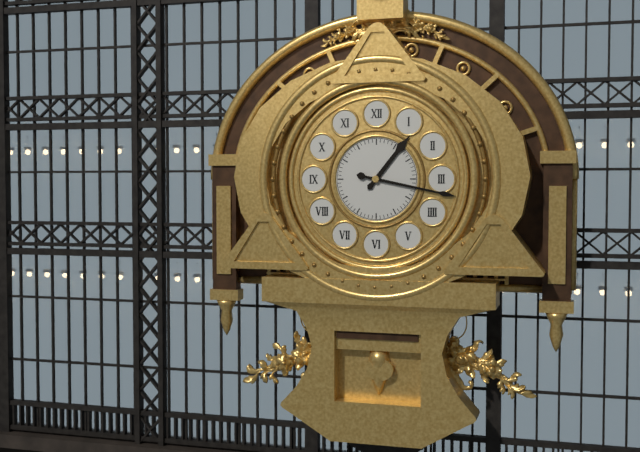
{"hour": 1, "minute": 17}
